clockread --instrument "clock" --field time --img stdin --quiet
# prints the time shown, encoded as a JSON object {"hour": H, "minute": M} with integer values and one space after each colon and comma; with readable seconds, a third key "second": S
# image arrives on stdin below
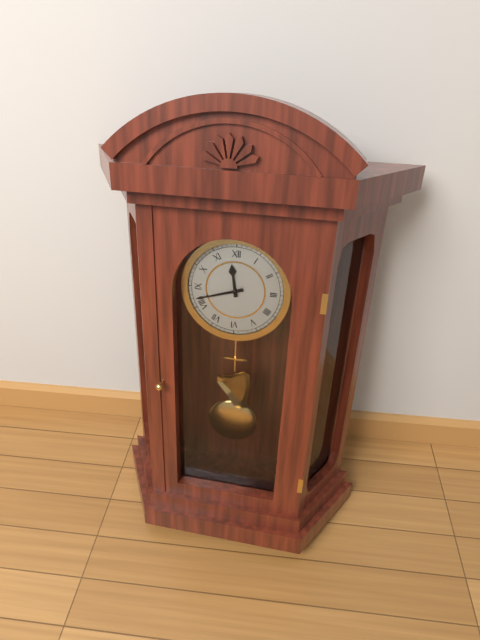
{"hour": 11, "minute": 42}
